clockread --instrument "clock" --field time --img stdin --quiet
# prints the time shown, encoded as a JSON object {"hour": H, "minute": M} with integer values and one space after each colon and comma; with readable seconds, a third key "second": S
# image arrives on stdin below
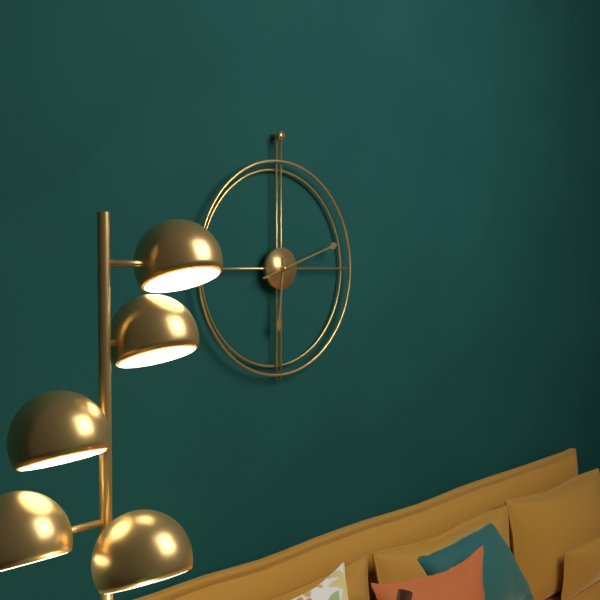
{"hour": 6, "minute": 12}
